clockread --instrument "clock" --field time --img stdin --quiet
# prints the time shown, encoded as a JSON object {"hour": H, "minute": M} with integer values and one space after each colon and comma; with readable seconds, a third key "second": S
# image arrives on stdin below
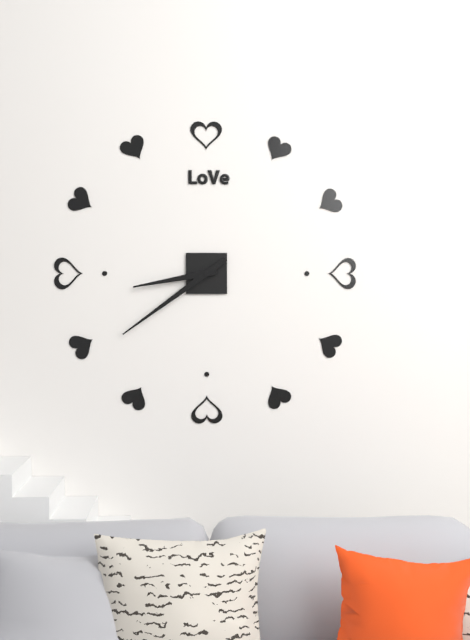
{"hour": 8, "minute": 39}
